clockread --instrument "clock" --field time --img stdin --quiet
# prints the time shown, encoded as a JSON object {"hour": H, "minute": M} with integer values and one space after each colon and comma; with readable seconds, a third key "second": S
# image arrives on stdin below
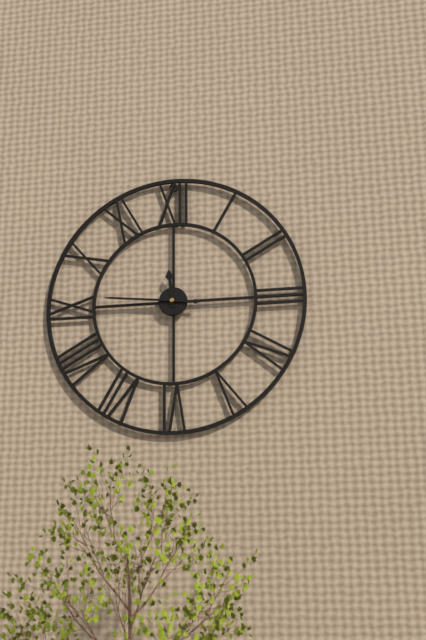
{"hour": 11, "minute": 46}
